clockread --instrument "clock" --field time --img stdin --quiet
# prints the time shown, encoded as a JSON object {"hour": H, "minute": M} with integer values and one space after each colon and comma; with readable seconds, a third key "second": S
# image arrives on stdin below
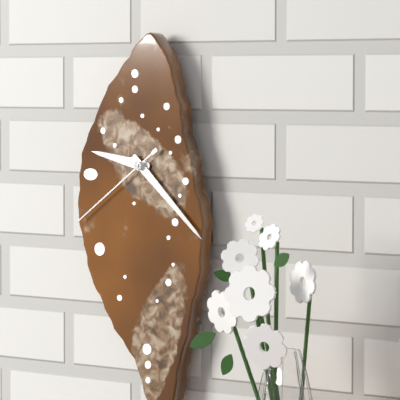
{"hour": 9, "minute": 22, "second": 39}
